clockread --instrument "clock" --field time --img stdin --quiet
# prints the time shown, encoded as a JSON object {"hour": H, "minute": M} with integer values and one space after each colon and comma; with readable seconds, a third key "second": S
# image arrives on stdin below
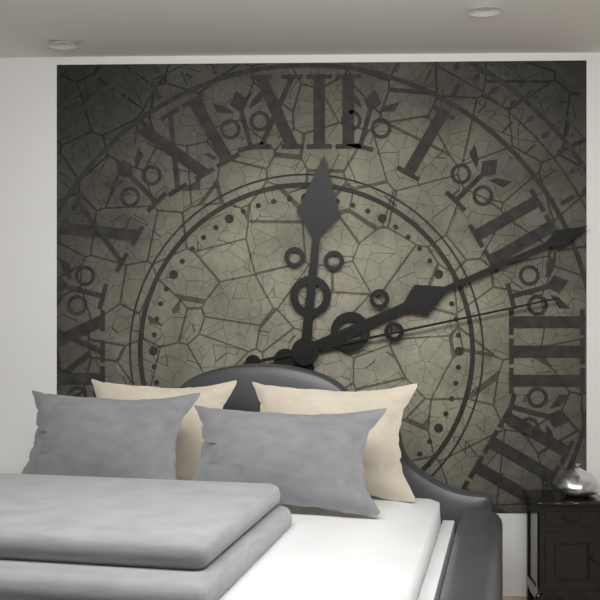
{"hour": 12, "minute": 11, "second": 13}
